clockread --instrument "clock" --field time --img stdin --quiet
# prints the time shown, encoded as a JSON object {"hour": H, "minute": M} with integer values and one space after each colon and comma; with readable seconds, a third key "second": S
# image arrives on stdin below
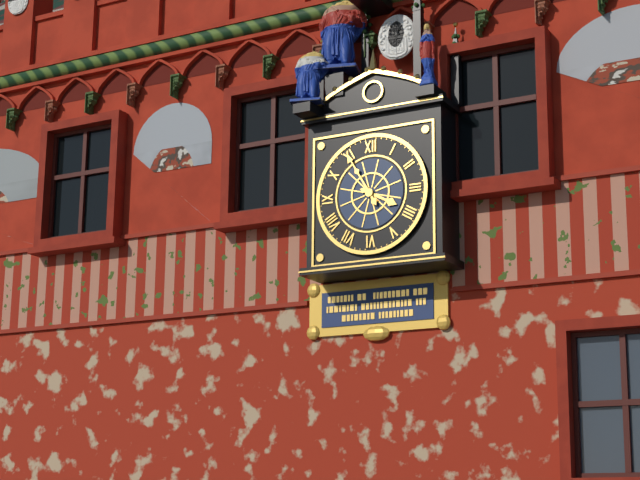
{"hour": 3, "minute": 55}
